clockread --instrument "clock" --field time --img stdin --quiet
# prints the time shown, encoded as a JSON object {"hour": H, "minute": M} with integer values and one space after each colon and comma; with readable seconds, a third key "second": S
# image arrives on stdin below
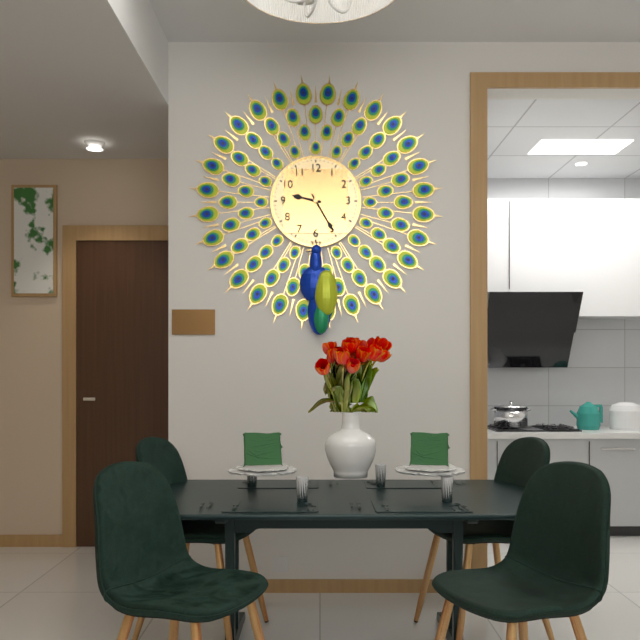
{"hour": 9, "minute": 25}
